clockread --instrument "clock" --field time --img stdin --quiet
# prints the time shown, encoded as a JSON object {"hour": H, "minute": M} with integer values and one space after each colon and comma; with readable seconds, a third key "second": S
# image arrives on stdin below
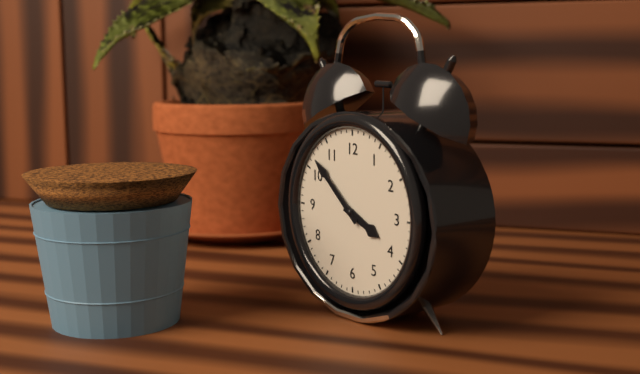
{"hour": 3, "minute": 52}
